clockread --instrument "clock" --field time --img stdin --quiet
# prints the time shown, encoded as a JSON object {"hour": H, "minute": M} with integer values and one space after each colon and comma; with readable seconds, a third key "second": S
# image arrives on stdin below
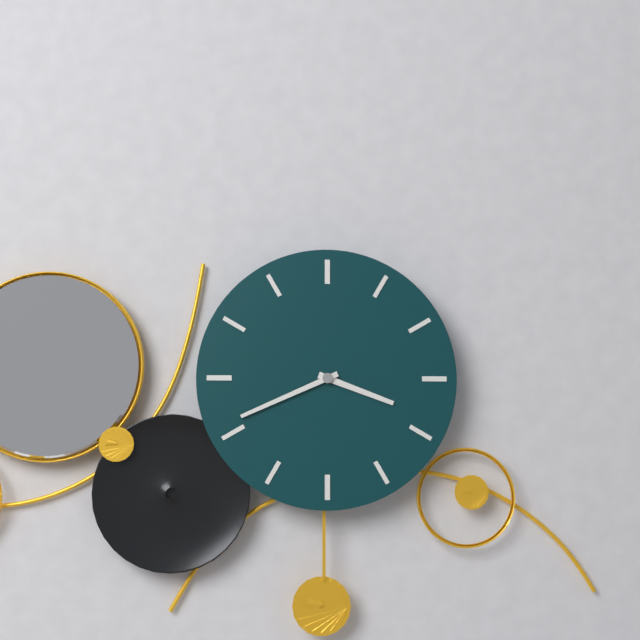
{"hour": 3, "minute": 41}
